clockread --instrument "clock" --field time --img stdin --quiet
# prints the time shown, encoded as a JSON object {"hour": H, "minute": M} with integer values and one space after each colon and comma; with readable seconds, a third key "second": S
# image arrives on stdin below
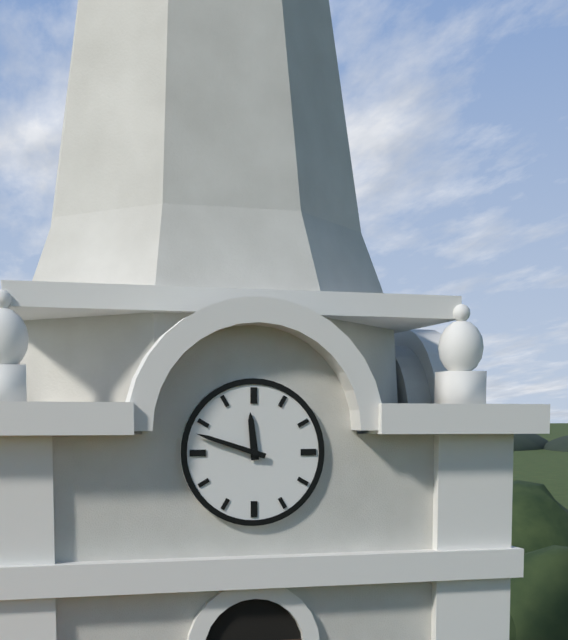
{"hour": 11, "minute": 48}
